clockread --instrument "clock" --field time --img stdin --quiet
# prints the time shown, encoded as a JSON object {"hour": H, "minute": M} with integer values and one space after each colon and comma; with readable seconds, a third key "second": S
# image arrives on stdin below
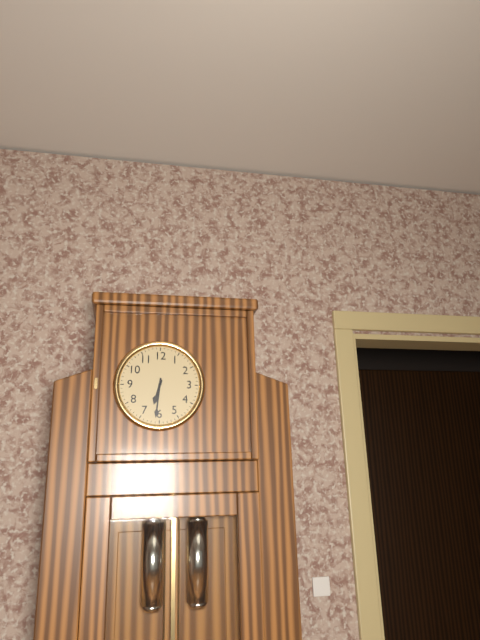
{"hour": 6, "minute": 31}
